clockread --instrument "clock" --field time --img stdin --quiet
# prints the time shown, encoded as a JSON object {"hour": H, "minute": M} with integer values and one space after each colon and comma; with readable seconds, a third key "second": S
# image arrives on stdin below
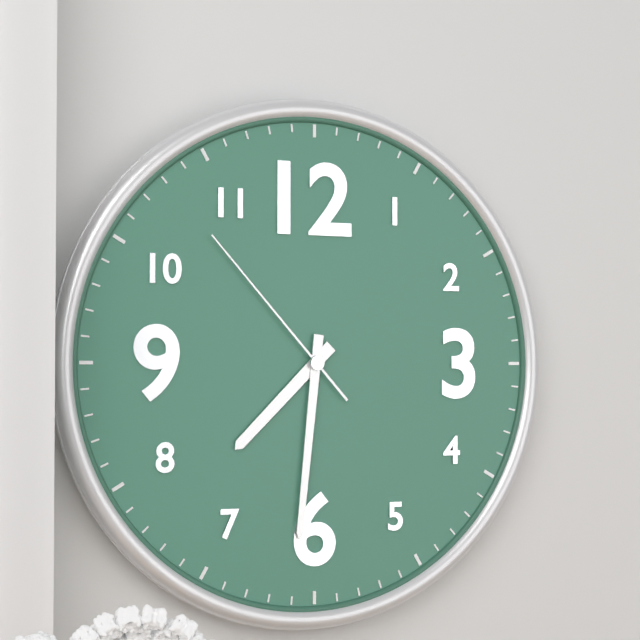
{"hour": 7, "minute": 31, "second": 53}
